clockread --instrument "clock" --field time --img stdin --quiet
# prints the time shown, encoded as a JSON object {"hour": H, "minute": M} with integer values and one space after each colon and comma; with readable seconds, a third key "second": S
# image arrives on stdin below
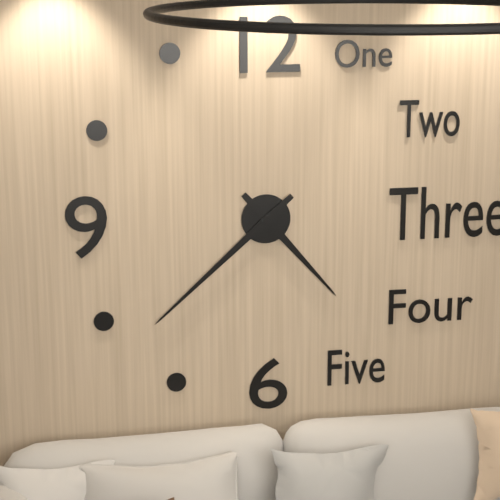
{"hour": 4, "minute": 38}
